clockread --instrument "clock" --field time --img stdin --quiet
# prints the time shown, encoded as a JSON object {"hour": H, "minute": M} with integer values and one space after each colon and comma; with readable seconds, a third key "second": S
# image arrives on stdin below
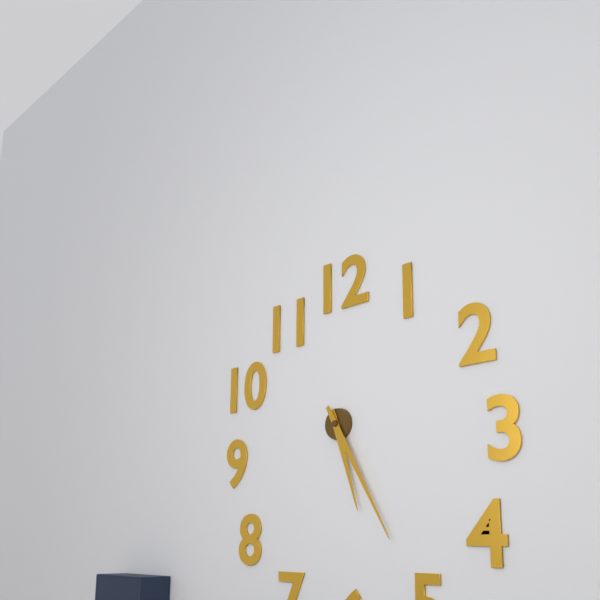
{"hour": 5, "minute": 25}
